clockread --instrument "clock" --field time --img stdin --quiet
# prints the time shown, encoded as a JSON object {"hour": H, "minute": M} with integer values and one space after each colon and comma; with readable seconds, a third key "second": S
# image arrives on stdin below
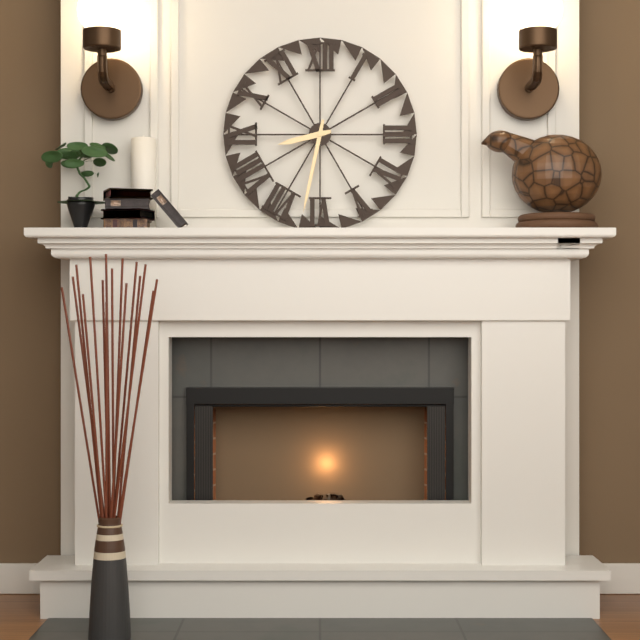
{"hour": 8, "minute": 32}
